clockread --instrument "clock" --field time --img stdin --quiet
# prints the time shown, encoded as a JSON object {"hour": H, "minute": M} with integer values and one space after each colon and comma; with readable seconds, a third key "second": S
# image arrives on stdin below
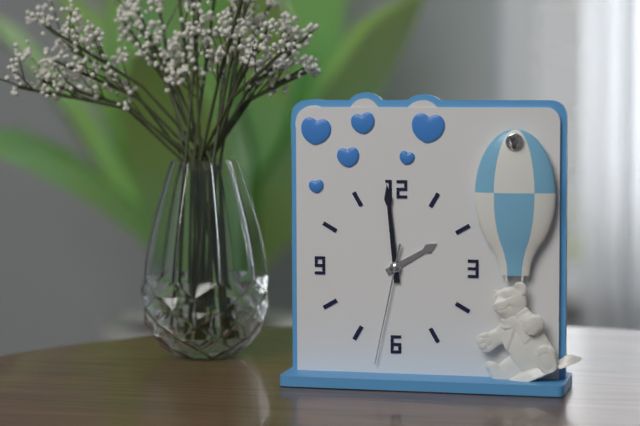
{"hour": 1, "minute": 59, "second": 32}
